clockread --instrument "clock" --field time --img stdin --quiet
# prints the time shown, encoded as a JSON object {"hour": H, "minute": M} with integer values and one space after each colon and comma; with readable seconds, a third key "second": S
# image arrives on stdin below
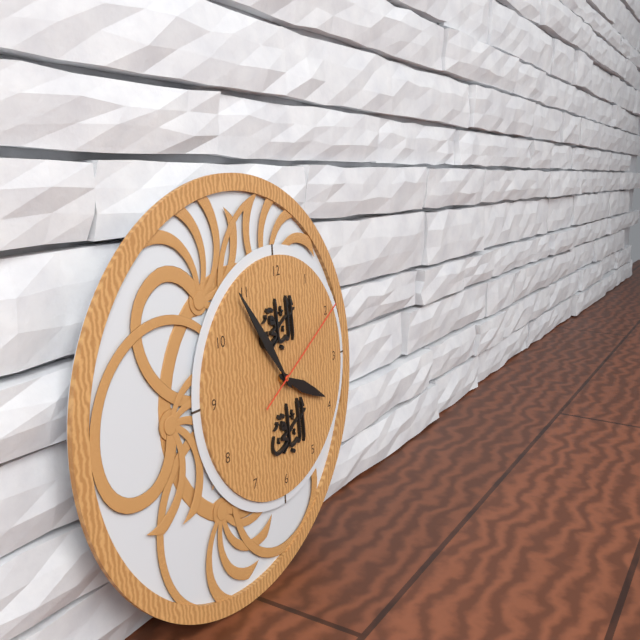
{"hour": 3, "minute": 54, "second": 10}
